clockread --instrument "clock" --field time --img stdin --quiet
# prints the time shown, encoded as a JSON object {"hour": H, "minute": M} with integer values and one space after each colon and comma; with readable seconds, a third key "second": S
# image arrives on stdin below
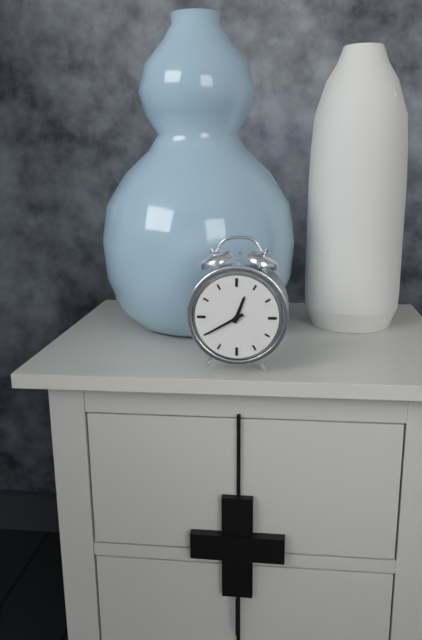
{"hour": 12, "minute": 40}
